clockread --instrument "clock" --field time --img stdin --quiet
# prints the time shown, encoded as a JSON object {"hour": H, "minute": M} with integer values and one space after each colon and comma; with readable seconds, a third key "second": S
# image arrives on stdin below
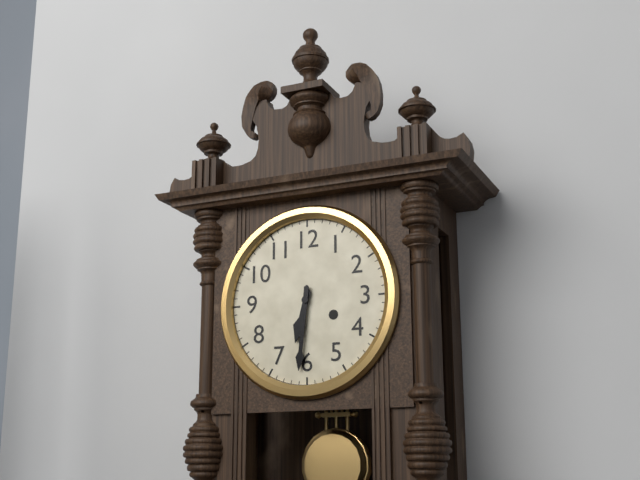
{"hour": 6, "minute": 31}
